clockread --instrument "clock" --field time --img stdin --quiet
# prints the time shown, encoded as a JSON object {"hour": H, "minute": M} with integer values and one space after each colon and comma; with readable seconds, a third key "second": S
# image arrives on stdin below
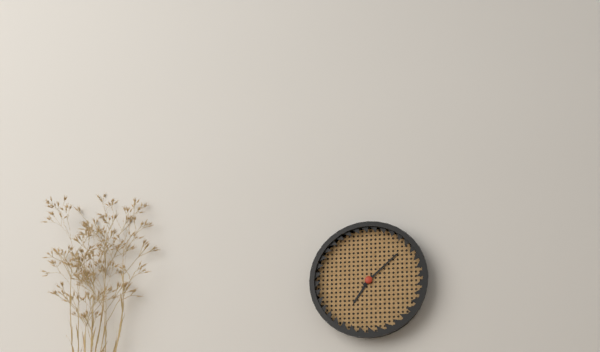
{"hour": 7, "minute": 8}
